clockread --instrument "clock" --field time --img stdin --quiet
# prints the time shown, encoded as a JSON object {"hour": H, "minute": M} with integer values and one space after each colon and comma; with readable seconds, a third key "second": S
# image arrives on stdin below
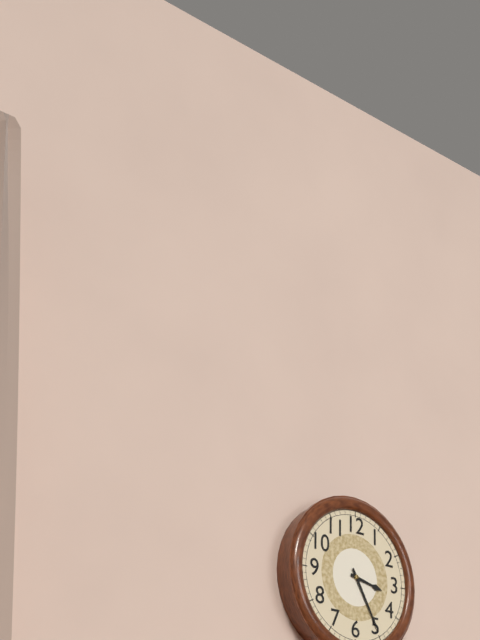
{"hour": 3, "minute": 25}
